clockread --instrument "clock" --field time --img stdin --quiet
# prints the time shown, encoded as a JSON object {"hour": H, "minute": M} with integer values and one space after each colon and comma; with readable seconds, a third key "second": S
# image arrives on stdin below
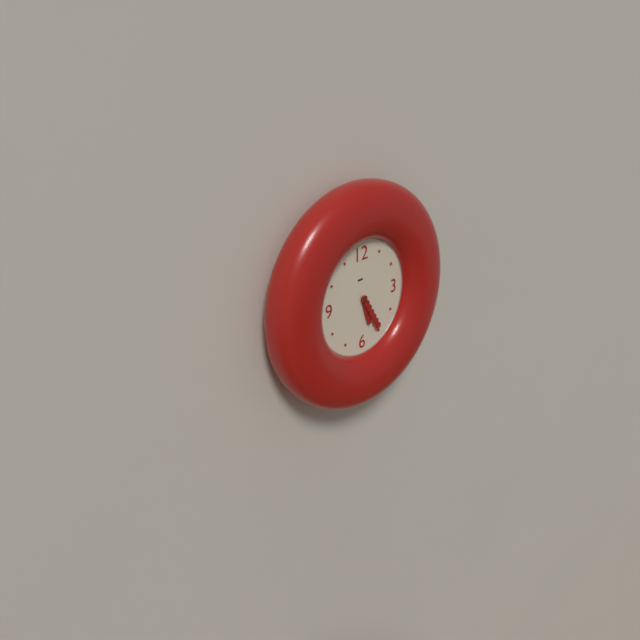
{"hour": 5, "minute": 25}
